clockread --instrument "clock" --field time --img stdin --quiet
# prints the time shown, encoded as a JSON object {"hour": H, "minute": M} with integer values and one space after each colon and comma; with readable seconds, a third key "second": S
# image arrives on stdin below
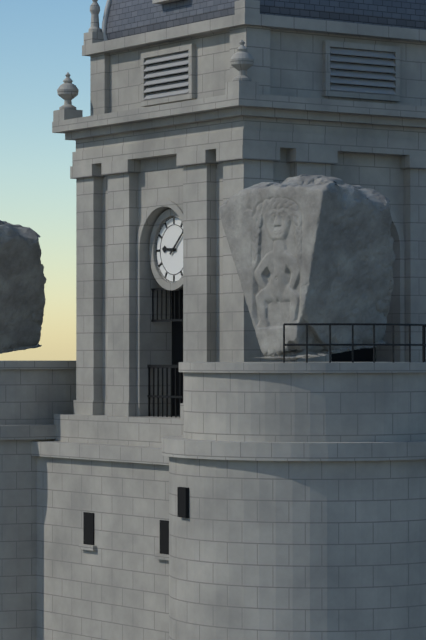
{"hour": 9, "minute": 8}
